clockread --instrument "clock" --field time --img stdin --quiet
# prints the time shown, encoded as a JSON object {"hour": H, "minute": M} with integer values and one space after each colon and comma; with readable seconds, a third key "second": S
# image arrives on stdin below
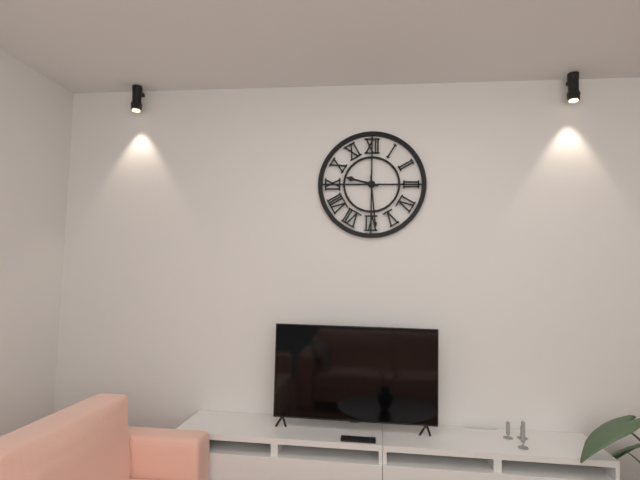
{"hour": 9, "minute": 29}
